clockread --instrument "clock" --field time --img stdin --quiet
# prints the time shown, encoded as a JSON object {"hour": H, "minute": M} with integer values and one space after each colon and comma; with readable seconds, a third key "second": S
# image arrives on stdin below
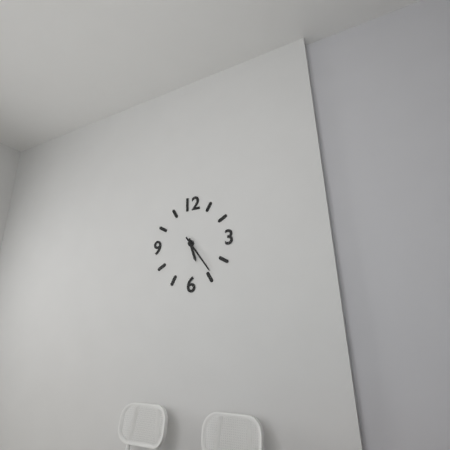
{"hour": 5, "minute": 24}
